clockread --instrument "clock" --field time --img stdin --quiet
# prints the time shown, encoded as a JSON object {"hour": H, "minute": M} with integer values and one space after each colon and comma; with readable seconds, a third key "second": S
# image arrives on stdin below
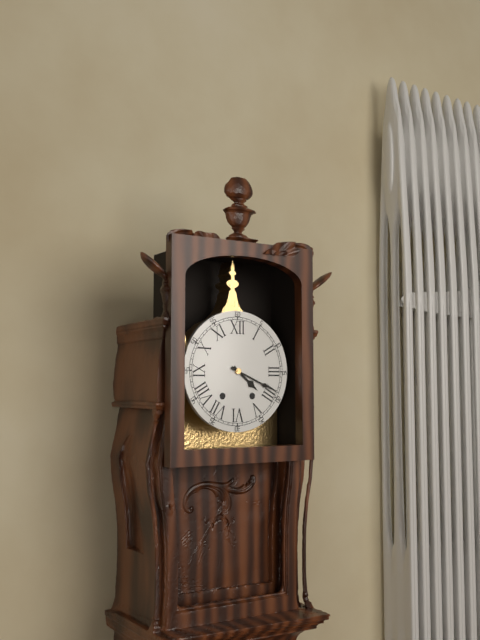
{"hour": 4, "minute": 19}
